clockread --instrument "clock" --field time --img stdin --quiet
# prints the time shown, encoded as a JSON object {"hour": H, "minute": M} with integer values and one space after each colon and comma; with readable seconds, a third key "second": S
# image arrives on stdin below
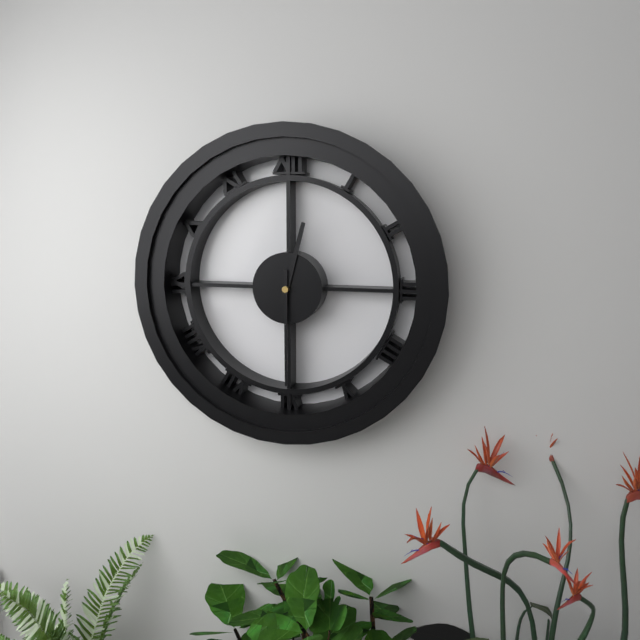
{"hour": 12, "minute": 30}
